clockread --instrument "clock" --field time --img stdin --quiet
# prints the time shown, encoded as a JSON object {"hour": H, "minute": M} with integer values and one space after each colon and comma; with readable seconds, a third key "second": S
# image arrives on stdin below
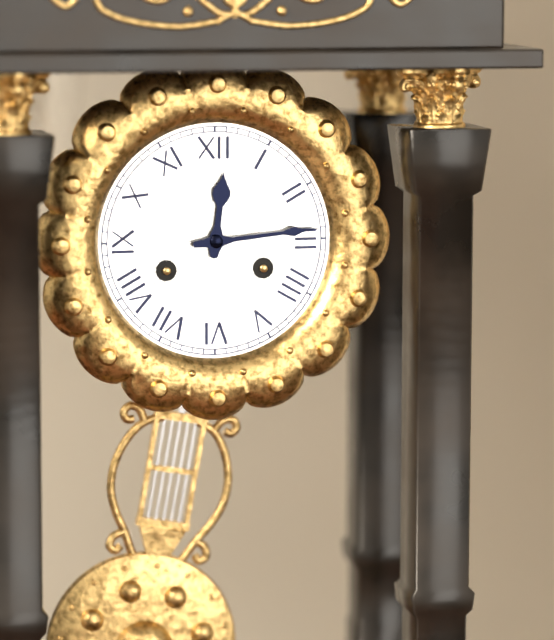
{"hour": 12, "minute": 14}
